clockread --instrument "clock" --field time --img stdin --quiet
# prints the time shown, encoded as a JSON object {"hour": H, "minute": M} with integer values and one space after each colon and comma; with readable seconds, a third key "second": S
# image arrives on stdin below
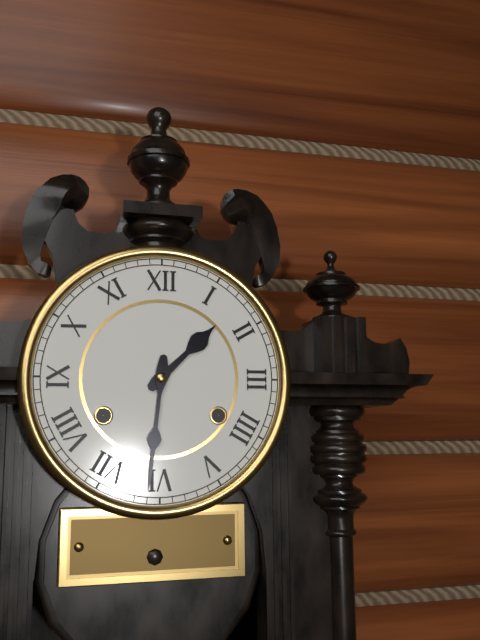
{"hour": 1, "minute": 31}
